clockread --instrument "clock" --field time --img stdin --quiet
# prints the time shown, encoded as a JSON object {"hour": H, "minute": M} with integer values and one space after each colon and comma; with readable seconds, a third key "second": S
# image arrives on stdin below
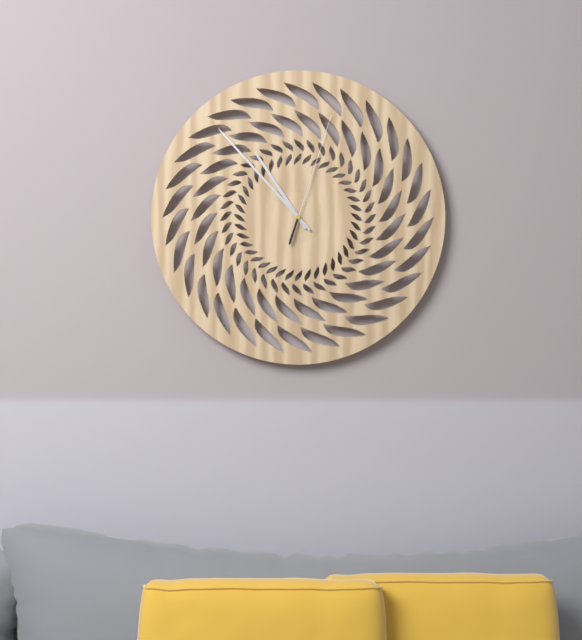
{"hour": 10, "minute": 53, "second": 3}
